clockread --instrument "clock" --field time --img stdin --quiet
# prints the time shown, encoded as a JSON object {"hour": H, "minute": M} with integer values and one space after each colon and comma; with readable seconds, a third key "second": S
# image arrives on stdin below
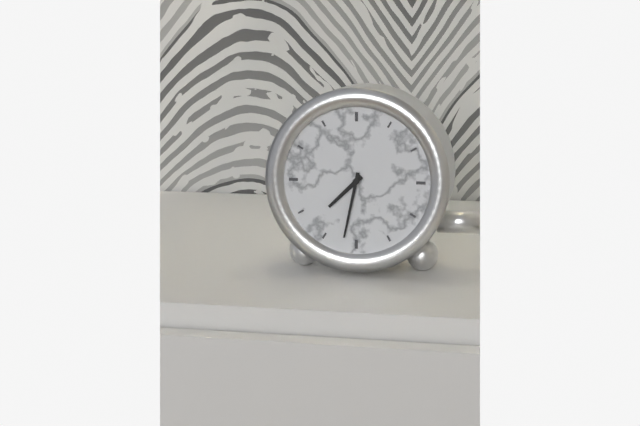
{"hour": 7, "minute": 32}
